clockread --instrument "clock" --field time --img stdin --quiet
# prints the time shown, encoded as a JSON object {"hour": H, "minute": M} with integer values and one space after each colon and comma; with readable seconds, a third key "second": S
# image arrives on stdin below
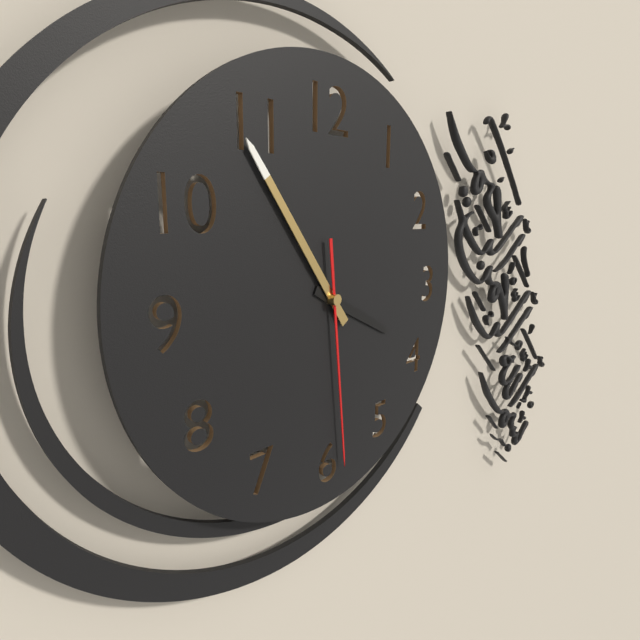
{"hour": 3, "minute": 54, "second": 29}
